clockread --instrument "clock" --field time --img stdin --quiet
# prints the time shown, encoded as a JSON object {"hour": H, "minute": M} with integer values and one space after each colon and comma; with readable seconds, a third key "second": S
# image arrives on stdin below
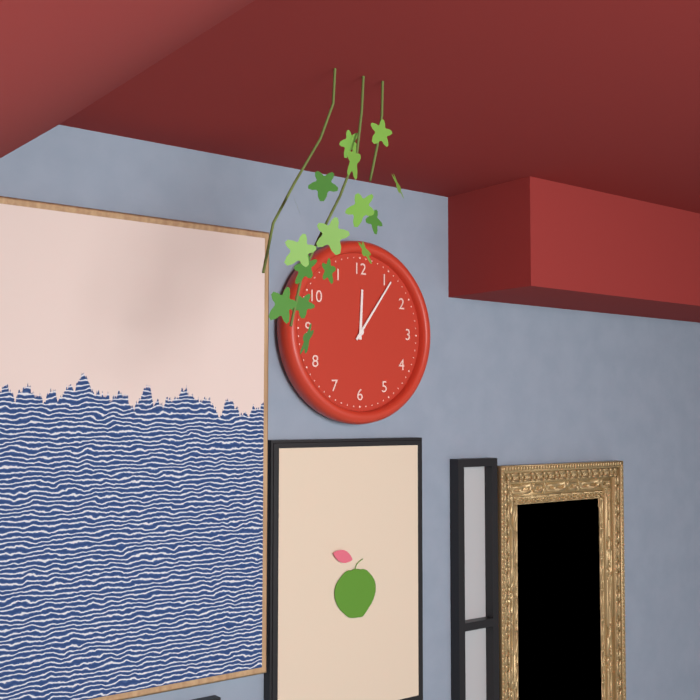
{"hour": 12, "minute": 6}
